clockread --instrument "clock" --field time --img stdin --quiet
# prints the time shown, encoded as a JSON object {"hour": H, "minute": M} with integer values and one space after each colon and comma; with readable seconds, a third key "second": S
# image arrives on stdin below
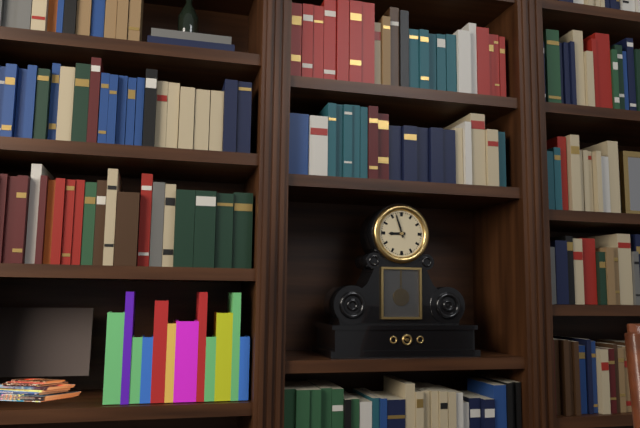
{"hour": 8, "minute": 57}
